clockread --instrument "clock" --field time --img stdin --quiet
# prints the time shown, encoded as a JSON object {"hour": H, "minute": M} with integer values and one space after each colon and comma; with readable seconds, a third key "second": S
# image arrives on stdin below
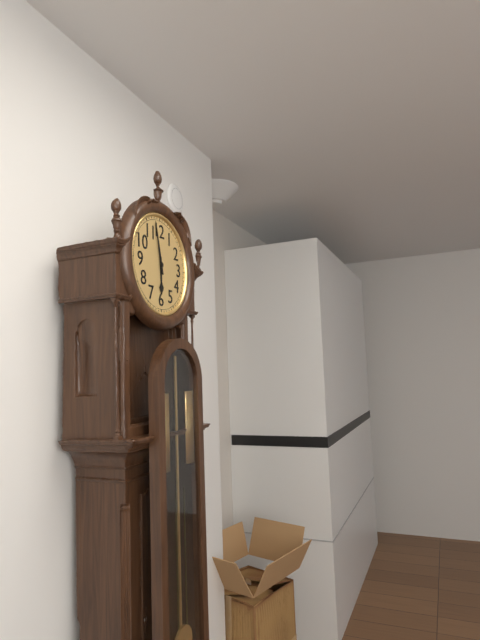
{"hour": 5, "minute": 58}
